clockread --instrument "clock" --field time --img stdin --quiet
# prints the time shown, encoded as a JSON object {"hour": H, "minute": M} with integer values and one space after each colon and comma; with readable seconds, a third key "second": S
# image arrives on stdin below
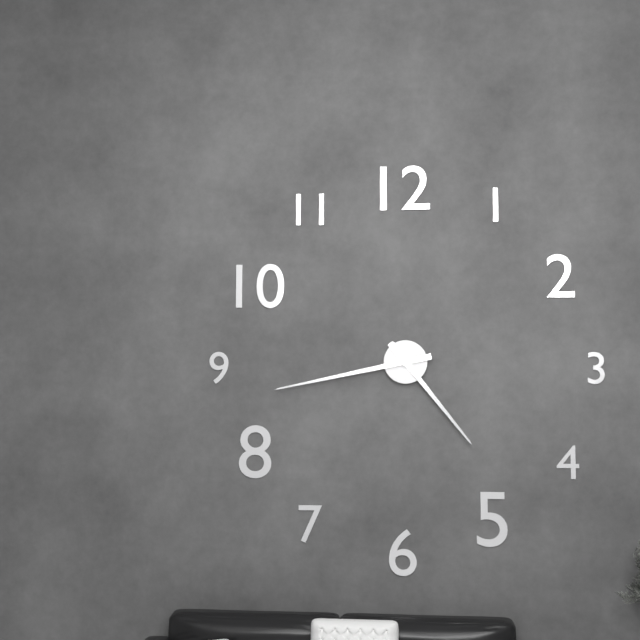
{"hour": 4, "minute": 43}
